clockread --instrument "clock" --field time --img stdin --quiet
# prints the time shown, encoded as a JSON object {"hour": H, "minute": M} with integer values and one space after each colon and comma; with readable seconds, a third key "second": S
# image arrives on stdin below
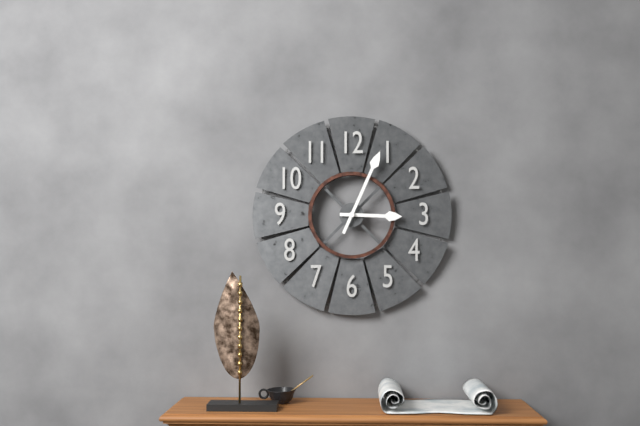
{"hour": 3, "minute": 4}
